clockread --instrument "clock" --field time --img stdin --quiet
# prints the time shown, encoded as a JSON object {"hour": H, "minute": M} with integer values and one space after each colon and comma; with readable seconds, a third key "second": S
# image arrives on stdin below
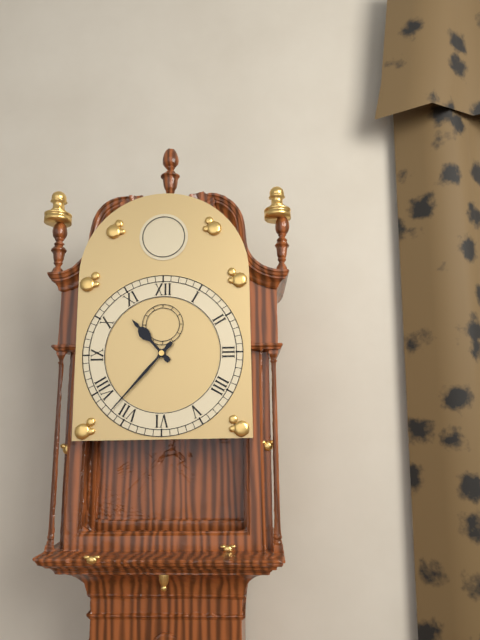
{"hour": 10, "minute": 37}
